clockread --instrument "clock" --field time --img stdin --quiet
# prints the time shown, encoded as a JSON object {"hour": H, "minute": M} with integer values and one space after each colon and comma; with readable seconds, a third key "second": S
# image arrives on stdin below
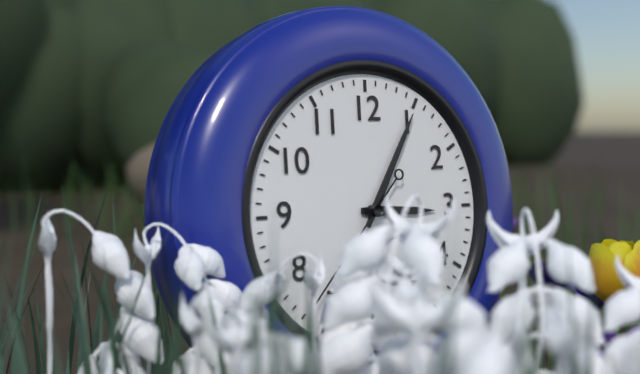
{"hour": 3, "minute": 5, "second": 37}
